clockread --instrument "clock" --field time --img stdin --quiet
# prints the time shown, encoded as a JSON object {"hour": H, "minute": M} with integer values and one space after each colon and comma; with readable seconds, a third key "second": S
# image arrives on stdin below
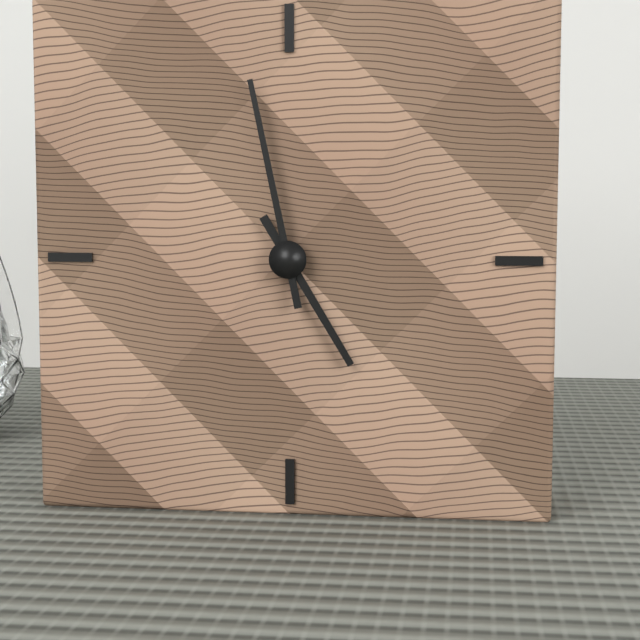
{"hour": 4, "minute": 58}
